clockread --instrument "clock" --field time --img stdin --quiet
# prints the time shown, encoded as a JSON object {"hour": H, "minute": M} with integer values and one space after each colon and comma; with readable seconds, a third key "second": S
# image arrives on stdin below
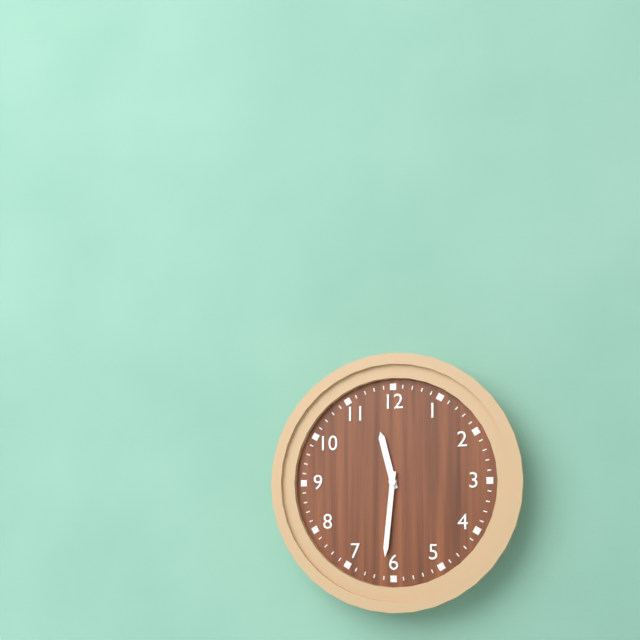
{"hour": 11, "minute": 31}
